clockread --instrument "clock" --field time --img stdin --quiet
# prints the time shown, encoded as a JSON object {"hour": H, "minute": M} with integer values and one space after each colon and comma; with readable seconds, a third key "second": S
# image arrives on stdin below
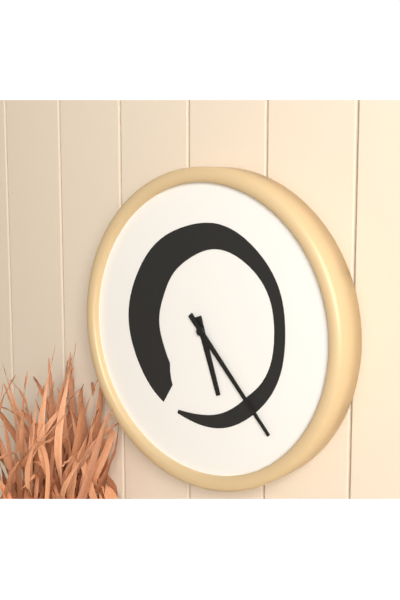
{"hour": 5, "minute": 23}
